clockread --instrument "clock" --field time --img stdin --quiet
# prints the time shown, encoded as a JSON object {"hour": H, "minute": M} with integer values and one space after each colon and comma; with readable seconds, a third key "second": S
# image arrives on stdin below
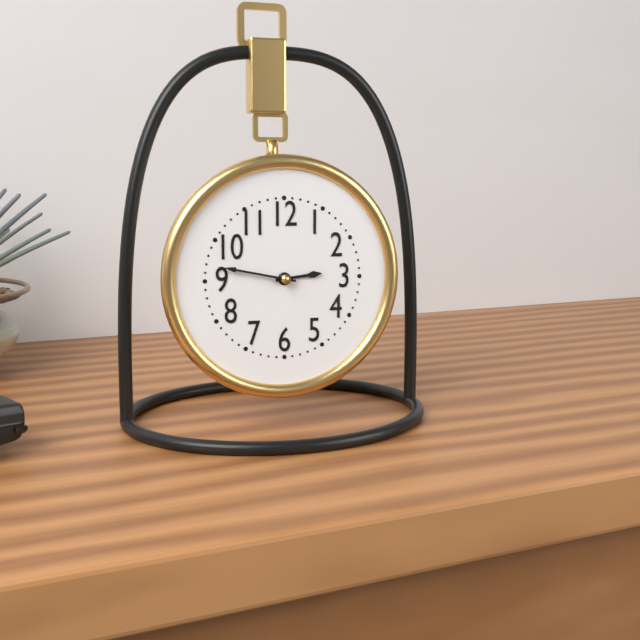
{"hour": 2, "minute": 47}
